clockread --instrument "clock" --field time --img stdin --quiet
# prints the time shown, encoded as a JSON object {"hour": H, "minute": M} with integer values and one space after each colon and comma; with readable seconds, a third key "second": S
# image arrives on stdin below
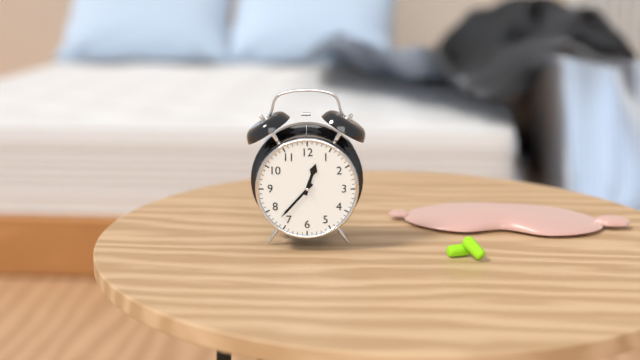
{"hour": 12, "minute": 37}
